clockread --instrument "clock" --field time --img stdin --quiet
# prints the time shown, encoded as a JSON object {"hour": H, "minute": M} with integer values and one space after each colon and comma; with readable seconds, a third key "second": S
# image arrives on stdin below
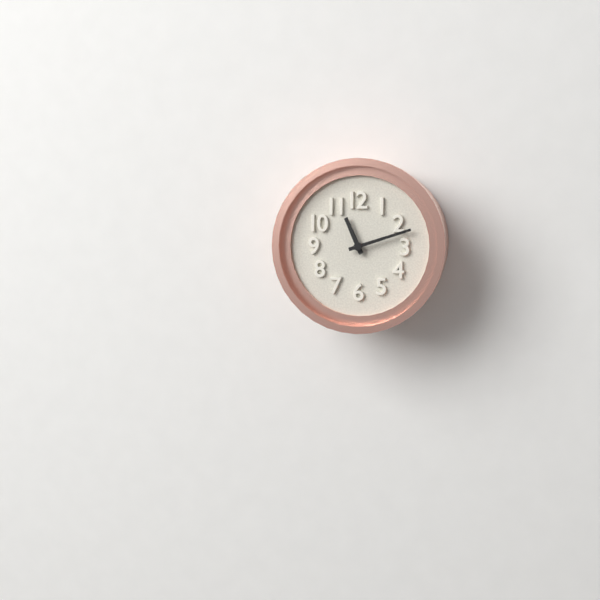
{"hour": 11, "minute": 12}
